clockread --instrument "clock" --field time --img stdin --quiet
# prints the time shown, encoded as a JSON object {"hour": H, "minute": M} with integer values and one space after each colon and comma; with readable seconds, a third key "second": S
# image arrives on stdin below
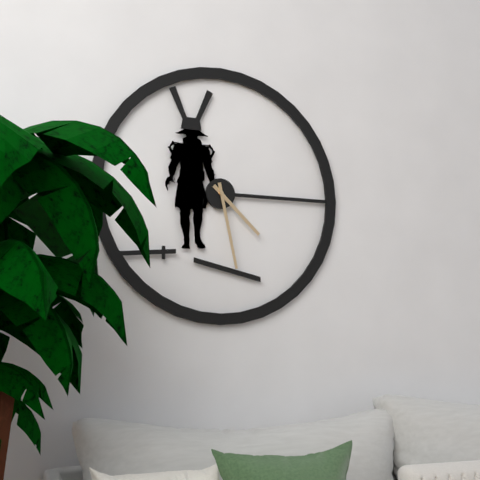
{"hour": 4, "minute": 28}
